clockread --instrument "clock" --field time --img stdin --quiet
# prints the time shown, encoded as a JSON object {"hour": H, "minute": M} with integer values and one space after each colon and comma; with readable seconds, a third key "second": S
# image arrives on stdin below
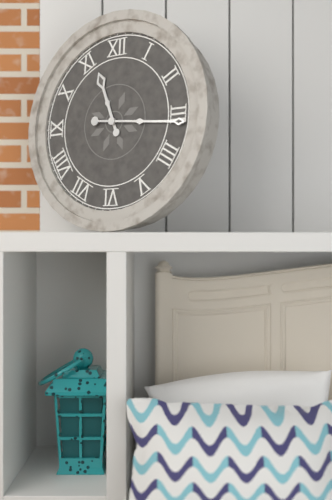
{"hour": 11, "minute": 16}
